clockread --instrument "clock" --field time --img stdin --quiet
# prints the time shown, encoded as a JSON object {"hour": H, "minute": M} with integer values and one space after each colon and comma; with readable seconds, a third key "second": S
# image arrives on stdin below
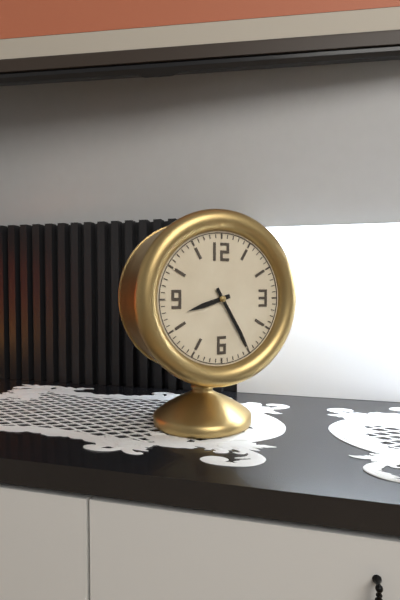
{"hour": 8, "minute": 25}
